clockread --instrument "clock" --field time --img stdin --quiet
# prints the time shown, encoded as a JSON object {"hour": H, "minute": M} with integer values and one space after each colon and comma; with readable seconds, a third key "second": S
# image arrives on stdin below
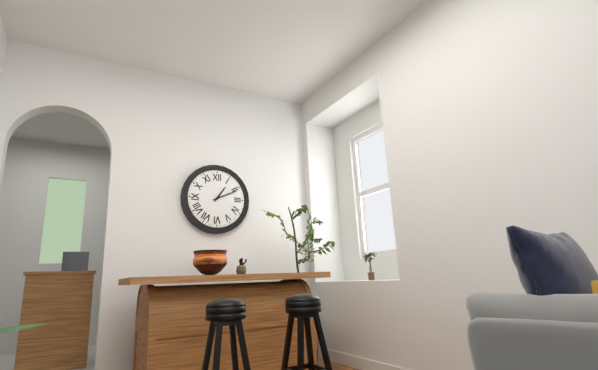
{"hour": 1, "minute": 11}
